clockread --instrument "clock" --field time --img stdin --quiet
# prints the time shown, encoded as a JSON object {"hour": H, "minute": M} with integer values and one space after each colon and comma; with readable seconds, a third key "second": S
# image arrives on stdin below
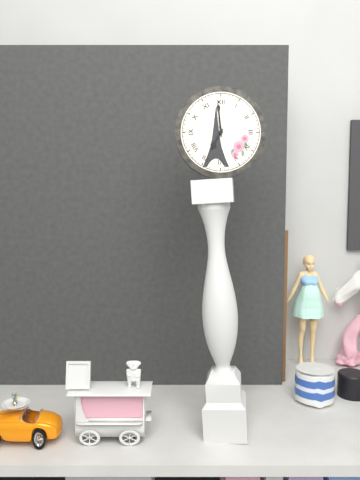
{"hour": 6, "minute": 59}
